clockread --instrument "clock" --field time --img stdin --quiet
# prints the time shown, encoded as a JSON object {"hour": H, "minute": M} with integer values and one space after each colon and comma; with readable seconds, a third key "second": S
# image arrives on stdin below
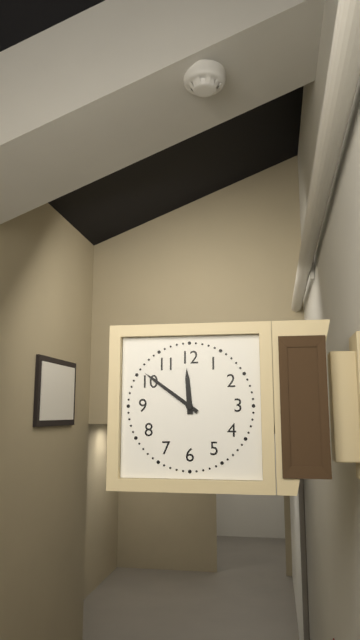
{"hour": 11, "minute": 51}
